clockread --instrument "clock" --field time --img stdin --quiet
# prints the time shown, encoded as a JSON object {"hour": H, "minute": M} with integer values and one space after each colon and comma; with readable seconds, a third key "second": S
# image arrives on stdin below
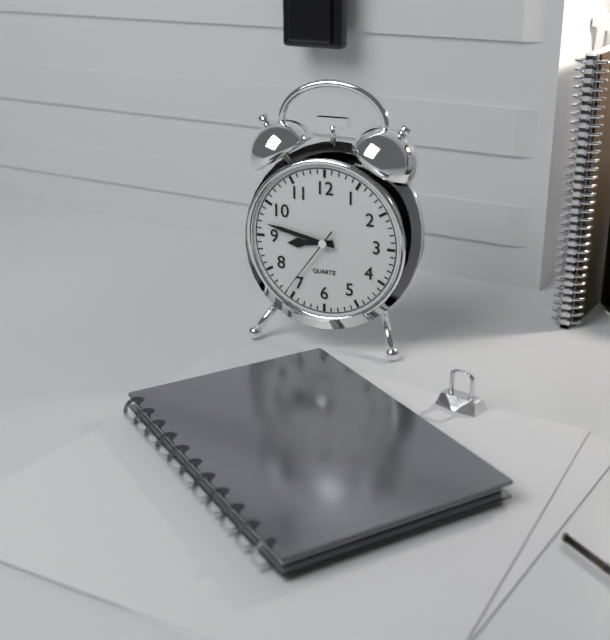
{"hour": 8, "minute": 47, "second": 36}
